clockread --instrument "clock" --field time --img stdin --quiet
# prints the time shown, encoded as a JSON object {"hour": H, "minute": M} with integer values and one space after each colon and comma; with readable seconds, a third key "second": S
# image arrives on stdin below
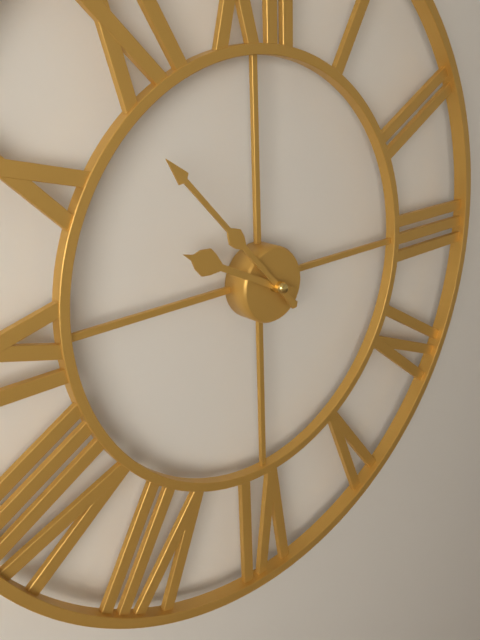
{"hour": 9, "minute": 53}
